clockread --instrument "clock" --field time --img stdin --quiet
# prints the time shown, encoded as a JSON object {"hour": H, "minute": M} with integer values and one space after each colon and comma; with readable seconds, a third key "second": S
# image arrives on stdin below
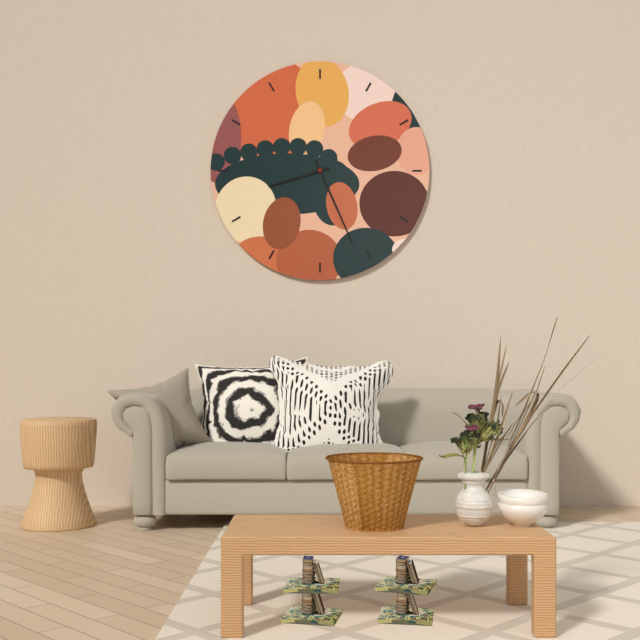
{"hour": 8, "minute": 26}
